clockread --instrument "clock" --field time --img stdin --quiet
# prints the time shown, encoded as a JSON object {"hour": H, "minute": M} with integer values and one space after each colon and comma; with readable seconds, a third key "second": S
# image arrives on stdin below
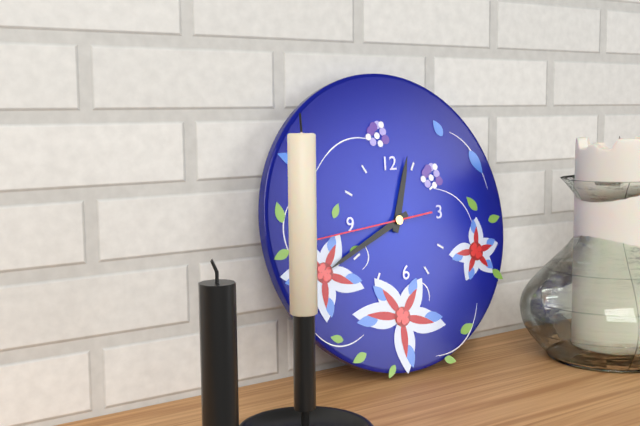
{"hour": 12, "minute": 41, "second": 44}
